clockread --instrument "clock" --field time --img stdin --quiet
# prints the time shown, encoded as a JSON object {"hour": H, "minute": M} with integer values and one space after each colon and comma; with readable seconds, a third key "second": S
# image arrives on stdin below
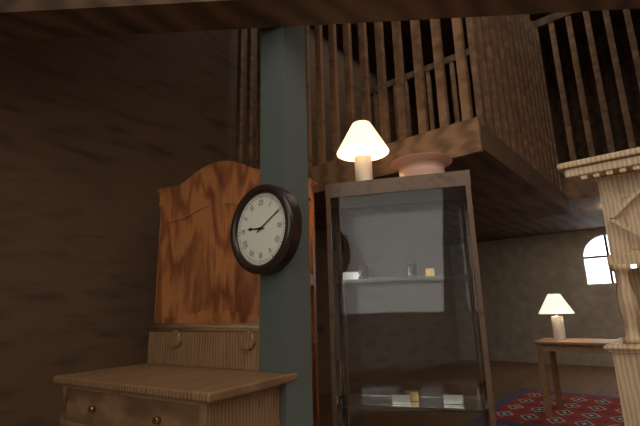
{"hour": 9, "minute": 10}
